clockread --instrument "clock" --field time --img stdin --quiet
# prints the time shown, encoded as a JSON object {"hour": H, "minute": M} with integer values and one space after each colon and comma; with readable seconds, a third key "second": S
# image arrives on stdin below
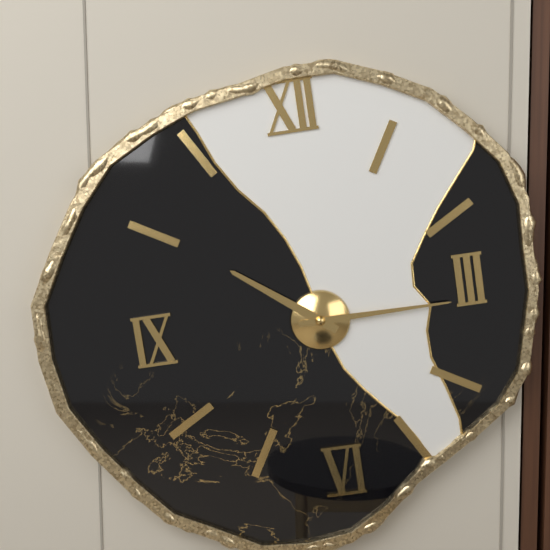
{"hour": 10, "minute": 15}
